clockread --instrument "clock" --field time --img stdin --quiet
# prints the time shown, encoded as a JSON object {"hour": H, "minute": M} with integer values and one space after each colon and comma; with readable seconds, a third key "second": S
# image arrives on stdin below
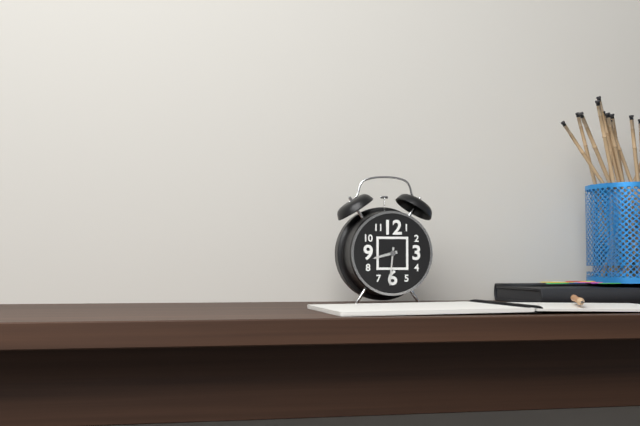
{"hour": 8, "minute": 31}
